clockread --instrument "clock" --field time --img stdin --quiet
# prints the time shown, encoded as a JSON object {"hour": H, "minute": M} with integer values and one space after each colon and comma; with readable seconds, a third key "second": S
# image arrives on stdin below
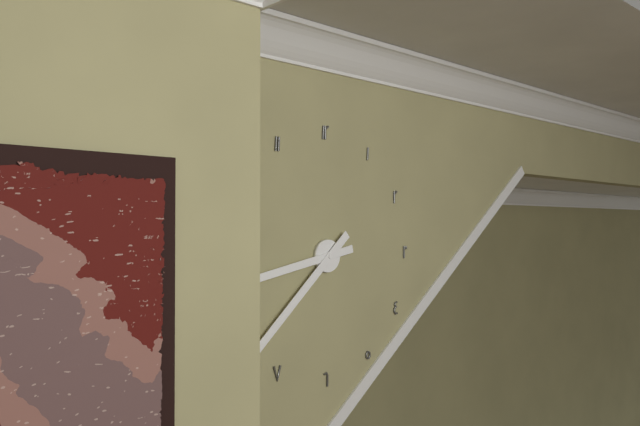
{"hour": 8, "minute": 38}
